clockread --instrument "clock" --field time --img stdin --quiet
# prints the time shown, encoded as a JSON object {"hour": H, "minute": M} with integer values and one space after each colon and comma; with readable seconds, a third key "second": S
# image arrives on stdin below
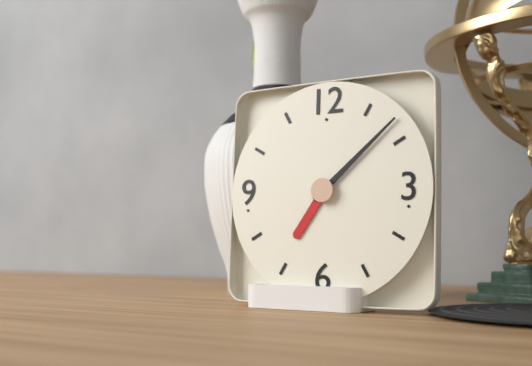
{"hour": 7, "minute": 8}
